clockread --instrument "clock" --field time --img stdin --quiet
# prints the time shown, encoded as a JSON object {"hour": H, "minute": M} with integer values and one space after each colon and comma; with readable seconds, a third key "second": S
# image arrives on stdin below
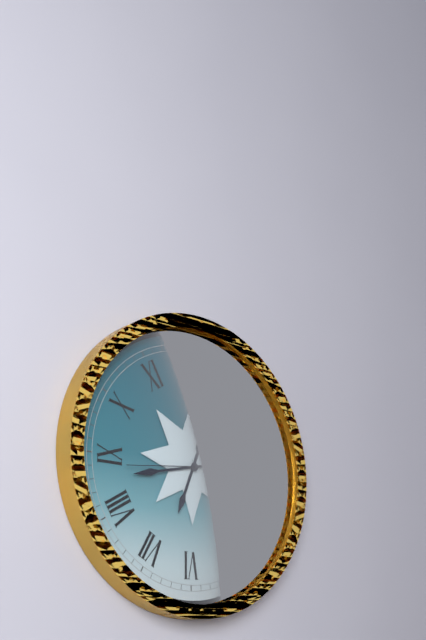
{"hour": 6, "minute": 43, "second": 44}
